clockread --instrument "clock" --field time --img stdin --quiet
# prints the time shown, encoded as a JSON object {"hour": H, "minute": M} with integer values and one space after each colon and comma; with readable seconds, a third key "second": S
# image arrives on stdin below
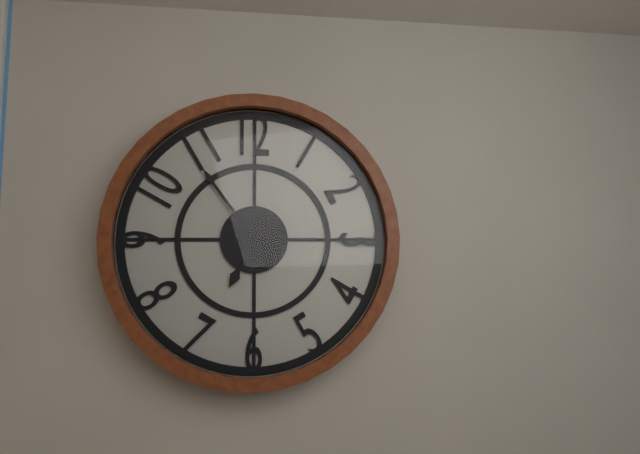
{"hour": 6, "minute": 54}
